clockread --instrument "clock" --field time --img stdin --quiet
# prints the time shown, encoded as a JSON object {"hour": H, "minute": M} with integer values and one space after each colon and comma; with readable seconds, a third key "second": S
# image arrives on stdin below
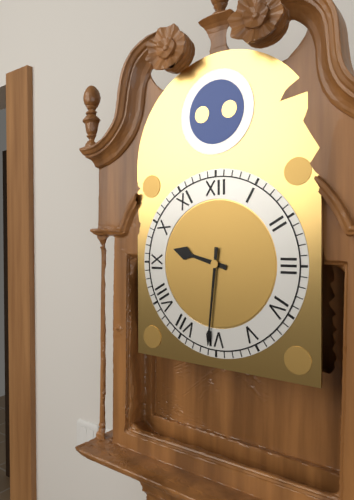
{"hour": 9, "minute": 31}
